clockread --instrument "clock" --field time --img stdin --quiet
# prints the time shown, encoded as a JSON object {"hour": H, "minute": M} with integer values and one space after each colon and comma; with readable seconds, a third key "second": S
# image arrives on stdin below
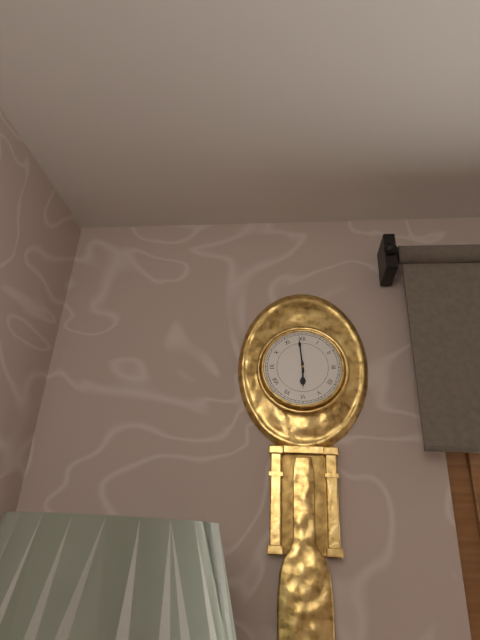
{"hour": 5, "minute": 59}
